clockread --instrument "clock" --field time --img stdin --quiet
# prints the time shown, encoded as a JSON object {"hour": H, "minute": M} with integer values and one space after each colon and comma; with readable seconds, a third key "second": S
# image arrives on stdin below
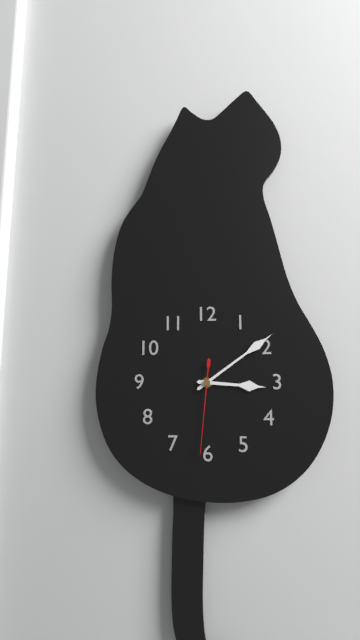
{"hour": 3, "minute": 9, "second": 31}
